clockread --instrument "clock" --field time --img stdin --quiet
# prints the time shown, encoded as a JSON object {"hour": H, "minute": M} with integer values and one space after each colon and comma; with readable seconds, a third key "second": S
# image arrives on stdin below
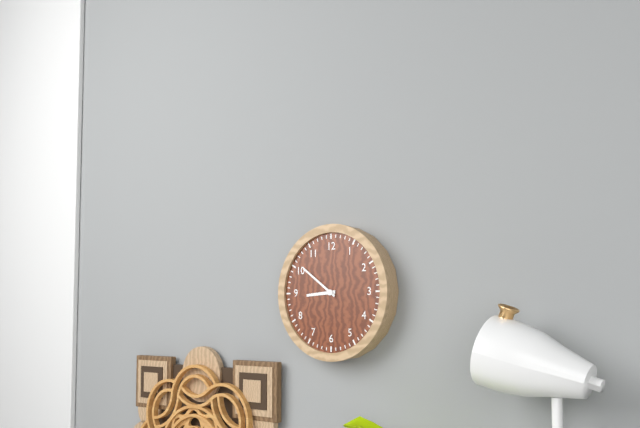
{"hour": 8, "minute": 51}
